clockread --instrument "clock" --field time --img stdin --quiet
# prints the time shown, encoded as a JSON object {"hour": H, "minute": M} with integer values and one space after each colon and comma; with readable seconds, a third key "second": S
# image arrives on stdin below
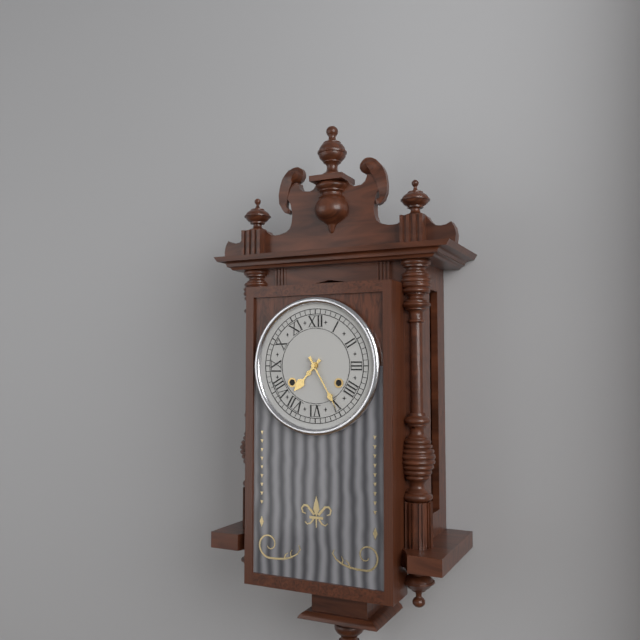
{"hour": 7, "minute": 25}
